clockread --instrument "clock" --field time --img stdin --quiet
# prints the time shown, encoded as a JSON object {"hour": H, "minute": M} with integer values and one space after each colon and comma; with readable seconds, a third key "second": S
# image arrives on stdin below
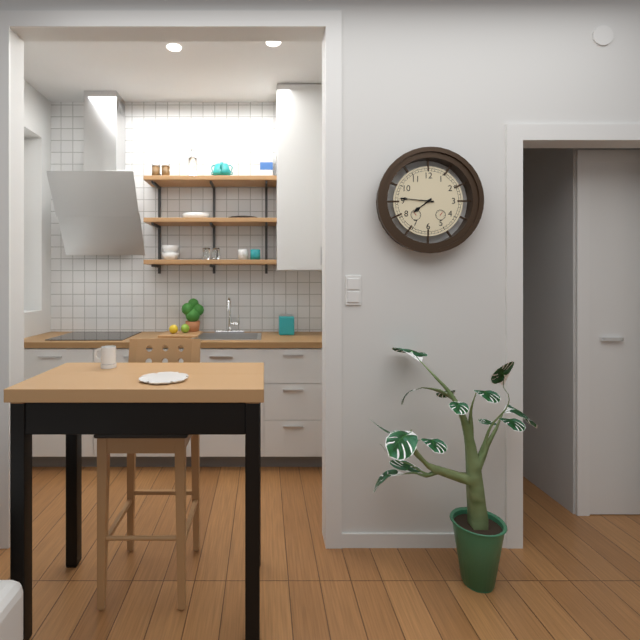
{"hour": 7, "minute": 46}
